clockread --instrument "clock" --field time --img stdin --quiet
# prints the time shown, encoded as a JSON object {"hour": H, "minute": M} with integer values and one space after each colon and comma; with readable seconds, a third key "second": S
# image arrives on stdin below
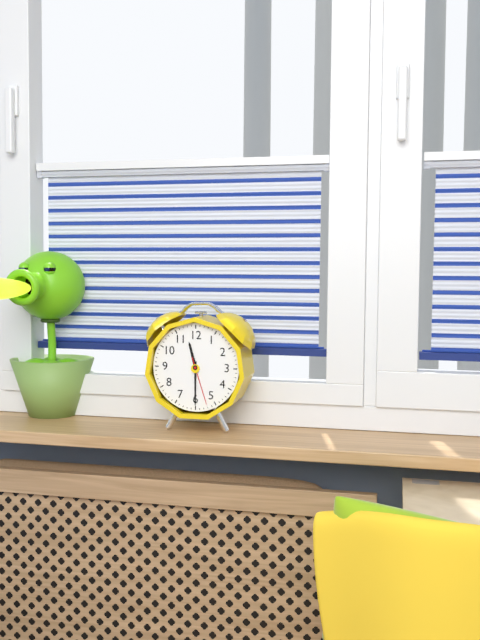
{"hour": 11, "minute": 30, "second": 27}
